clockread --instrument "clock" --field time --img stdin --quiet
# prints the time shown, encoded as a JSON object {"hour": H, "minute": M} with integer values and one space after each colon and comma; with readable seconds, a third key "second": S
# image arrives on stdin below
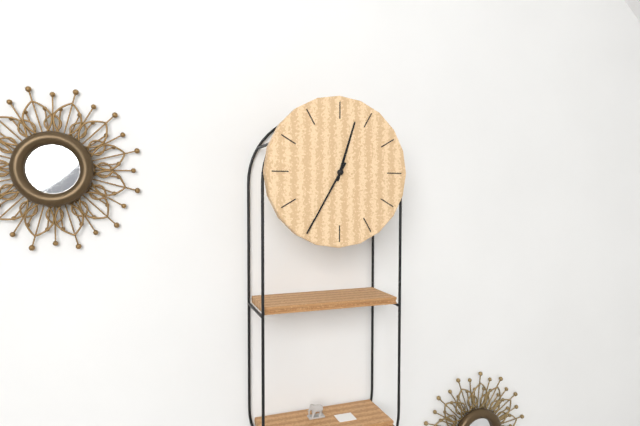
{"hour": 12, "minute": 35}
